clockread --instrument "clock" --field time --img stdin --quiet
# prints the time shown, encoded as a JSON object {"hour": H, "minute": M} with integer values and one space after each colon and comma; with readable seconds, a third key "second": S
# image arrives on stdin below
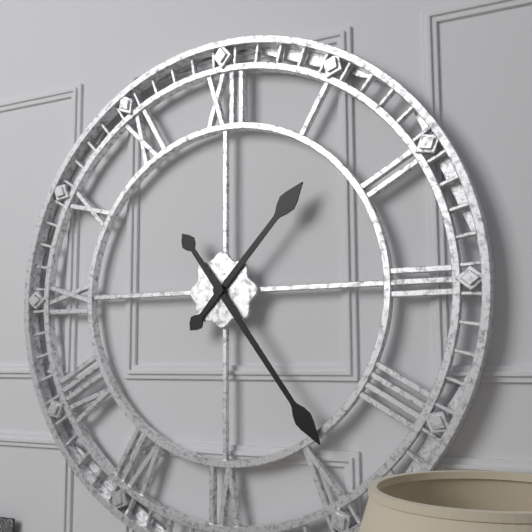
{"hour": 1, "minute": 24}
